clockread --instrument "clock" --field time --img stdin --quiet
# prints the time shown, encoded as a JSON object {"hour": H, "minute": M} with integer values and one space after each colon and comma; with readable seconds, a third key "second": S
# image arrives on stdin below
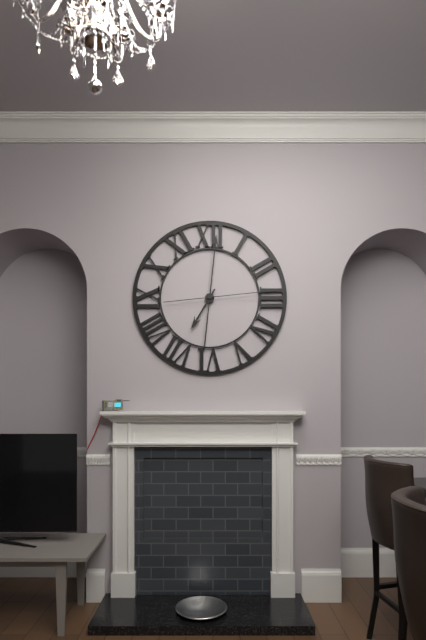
{"hour": 7, "minute": 1, "second": 14}
